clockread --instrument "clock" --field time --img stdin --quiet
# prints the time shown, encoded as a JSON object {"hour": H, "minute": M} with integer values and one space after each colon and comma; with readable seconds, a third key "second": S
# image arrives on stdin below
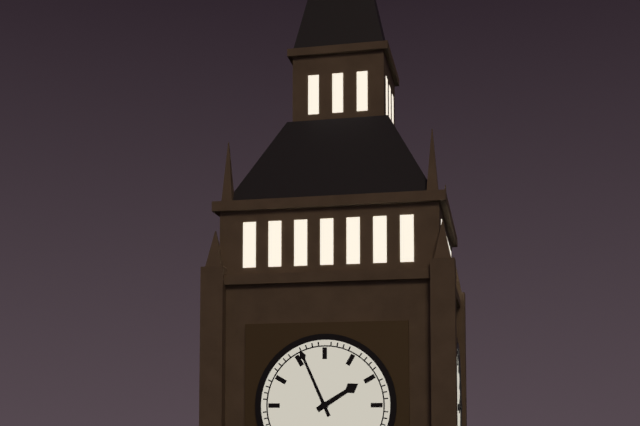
{"hour": 1, "minute": 56}
